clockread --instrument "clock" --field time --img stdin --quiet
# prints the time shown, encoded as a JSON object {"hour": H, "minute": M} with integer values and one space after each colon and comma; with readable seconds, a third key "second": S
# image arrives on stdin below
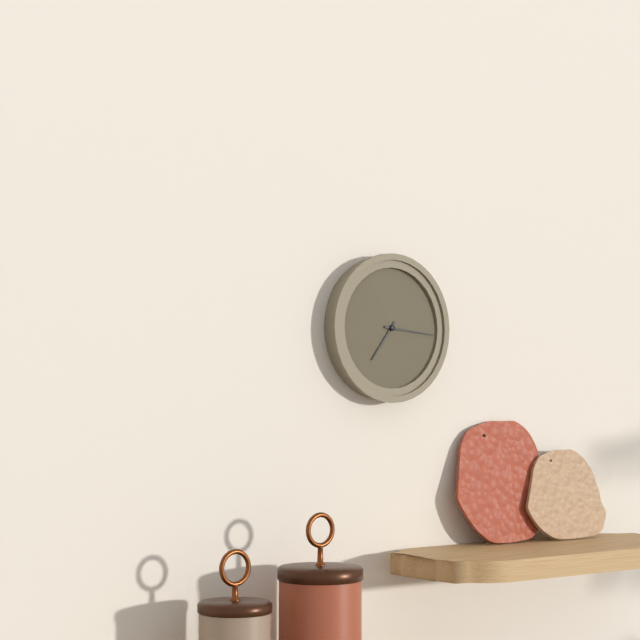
{"hour": 7, "minute": 16}
